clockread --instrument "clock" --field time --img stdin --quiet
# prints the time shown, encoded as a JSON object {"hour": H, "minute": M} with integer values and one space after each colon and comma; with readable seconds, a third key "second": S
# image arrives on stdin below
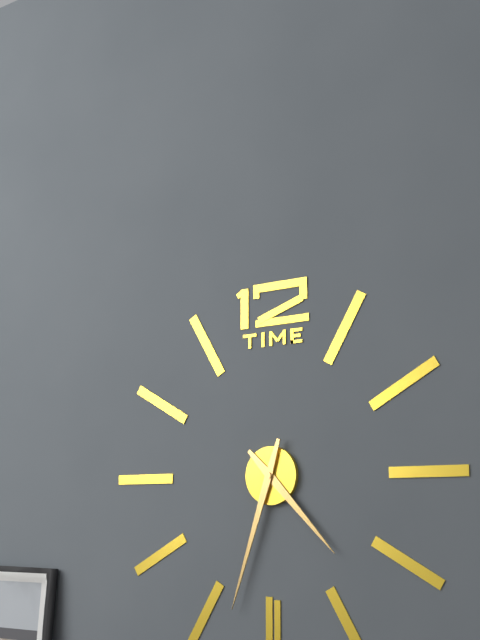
{"hour": 4, "minute": 33}
